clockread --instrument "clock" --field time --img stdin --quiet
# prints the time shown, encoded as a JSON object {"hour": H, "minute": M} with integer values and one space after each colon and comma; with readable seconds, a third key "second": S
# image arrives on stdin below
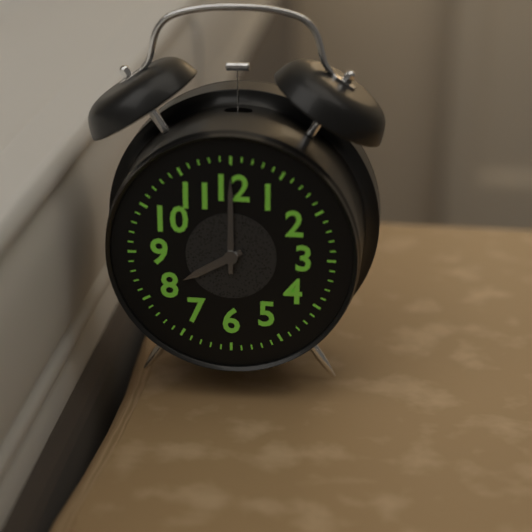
{"hour": 8, "minute": 0}
